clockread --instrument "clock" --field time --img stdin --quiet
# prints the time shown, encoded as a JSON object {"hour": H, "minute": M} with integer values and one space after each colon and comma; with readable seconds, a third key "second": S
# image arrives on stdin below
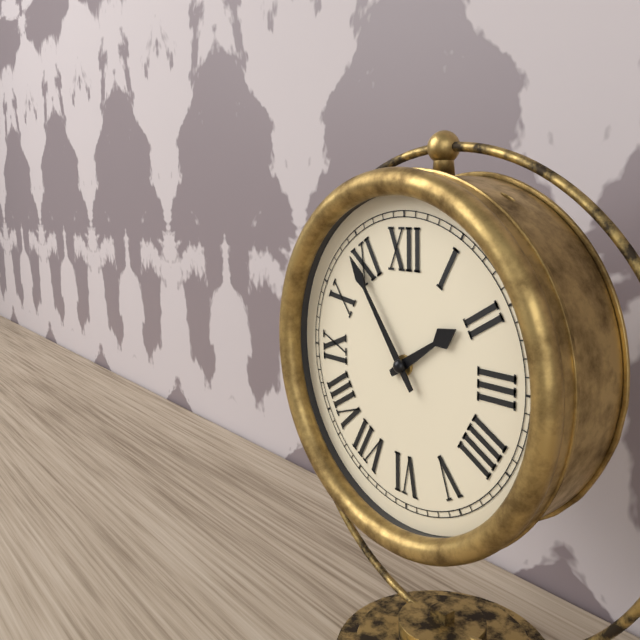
{"hour": 1, "minute": 54}
